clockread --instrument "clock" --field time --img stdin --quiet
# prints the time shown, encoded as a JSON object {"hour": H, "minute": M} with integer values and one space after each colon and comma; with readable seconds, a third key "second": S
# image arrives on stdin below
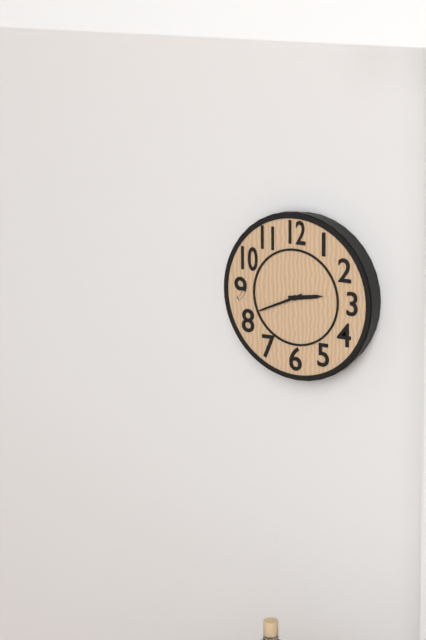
{"hour": 2, "minute": 41}
